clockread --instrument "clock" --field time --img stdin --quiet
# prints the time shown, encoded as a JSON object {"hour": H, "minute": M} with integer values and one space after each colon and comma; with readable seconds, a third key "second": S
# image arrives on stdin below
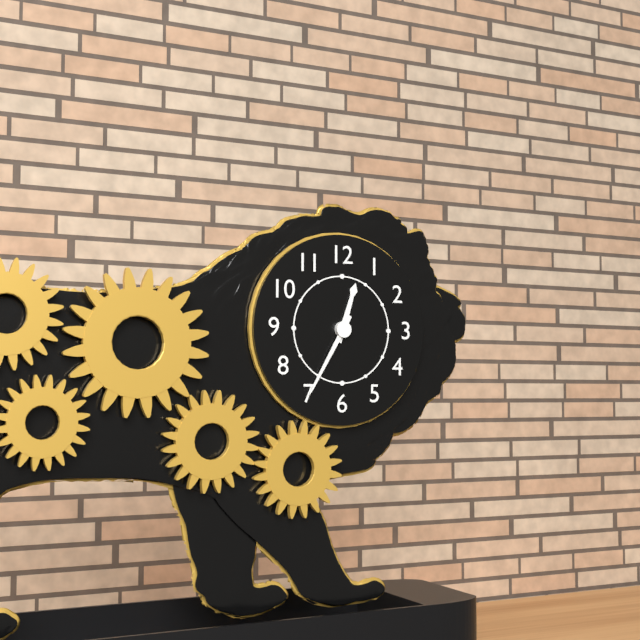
{"hour": 12, "minute": 35}
